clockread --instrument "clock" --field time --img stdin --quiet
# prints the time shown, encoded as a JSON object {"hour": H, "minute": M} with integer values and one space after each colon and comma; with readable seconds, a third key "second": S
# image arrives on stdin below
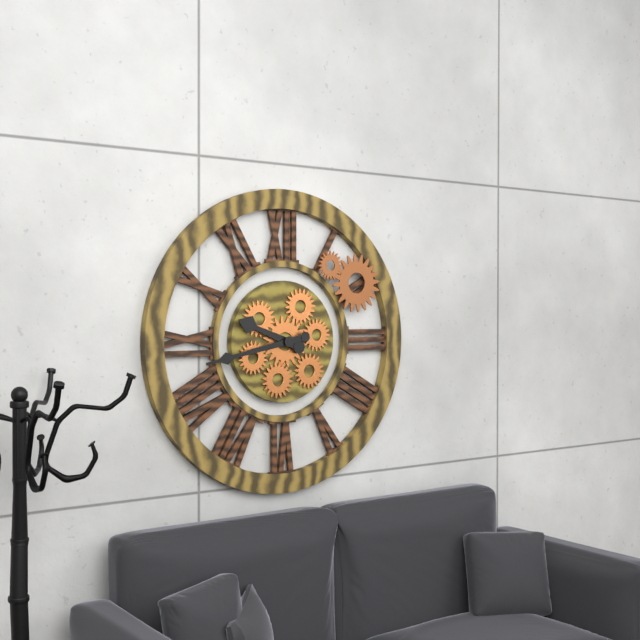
{"hour": 9, "minute": 43}
